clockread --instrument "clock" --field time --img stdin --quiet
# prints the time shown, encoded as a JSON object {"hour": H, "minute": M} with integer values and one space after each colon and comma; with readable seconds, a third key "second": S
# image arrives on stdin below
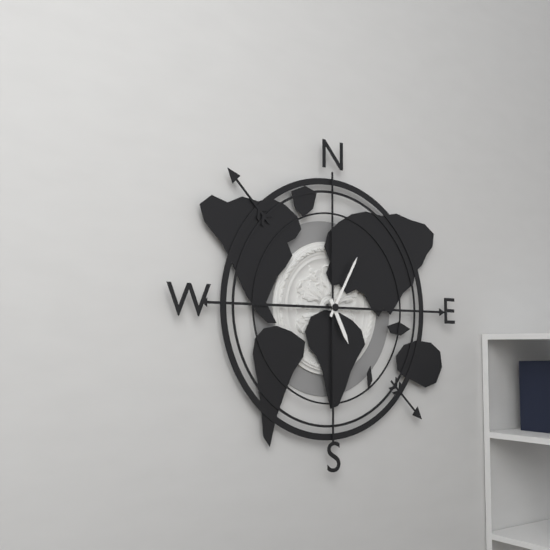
{"hour": 5, "minute": 5}
